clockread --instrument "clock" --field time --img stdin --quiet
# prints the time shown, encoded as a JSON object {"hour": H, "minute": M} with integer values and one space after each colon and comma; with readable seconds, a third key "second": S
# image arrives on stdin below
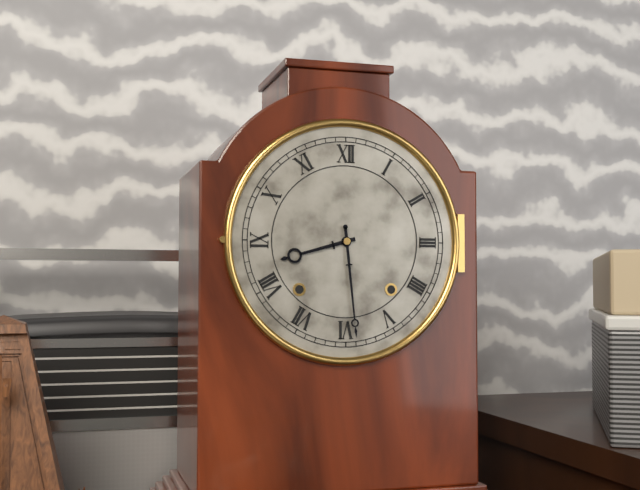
{"hour": 8, "minute": 29}
